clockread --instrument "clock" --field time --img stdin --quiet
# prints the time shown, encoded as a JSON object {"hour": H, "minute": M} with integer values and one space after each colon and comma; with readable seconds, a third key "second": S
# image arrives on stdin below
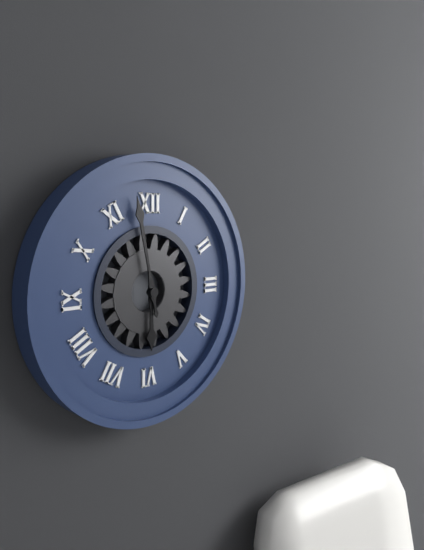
{"hour": 5, "minute": 58}
